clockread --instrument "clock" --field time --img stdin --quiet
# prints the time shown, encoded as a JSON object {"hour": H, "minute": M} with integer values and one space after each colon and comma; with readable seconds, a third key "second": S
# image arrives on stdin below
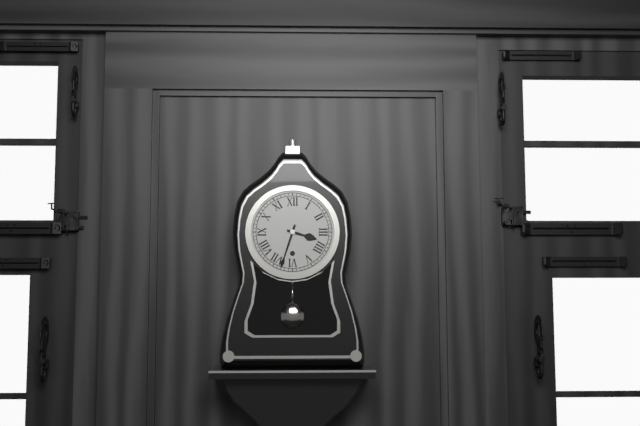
{"hour": 3, "minute": 33}
